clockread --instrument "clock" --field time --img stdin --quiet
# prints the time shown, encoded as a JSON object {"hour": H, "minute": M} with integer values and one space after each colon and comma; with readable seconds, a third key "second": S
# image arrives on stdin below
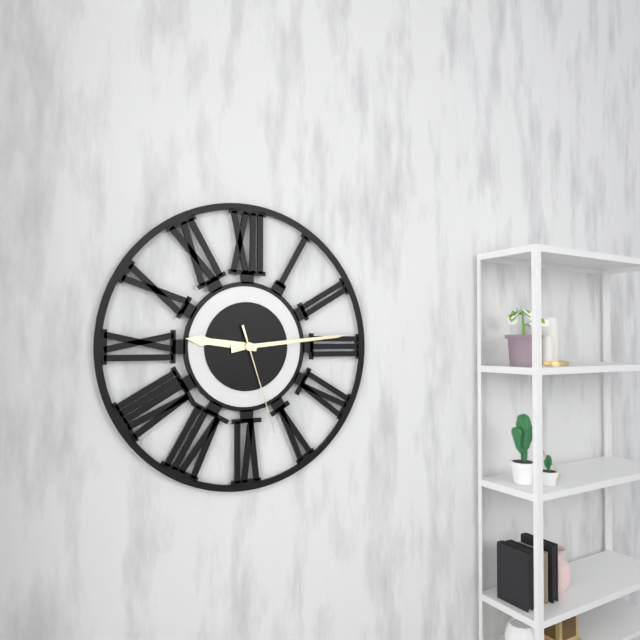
{"hour": 9, "minute": 14, "second": 27}
